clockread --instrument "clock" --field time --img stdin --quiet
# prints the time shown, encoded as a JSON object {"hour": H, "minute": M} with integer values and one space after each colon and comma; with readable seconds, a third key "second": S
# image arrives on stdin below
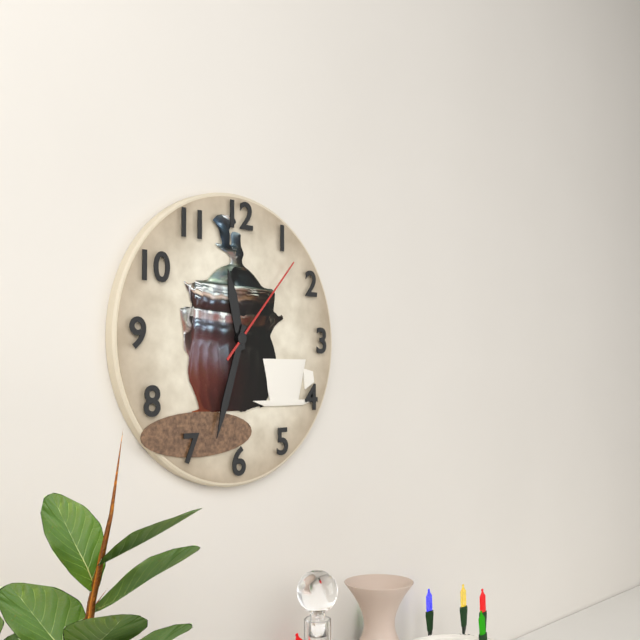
{"hour": 11, "minute": 33, "second": 7}
